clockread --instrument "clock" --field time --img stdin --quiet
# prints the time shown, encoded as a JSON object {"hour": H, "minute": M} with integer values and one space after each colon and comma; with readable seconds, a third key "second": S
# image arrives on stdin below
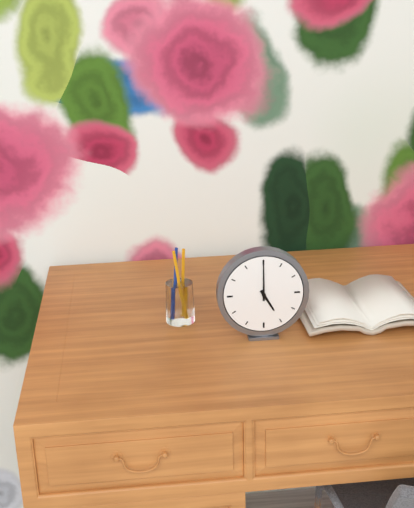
{"hour": 5, "minute": 0}
